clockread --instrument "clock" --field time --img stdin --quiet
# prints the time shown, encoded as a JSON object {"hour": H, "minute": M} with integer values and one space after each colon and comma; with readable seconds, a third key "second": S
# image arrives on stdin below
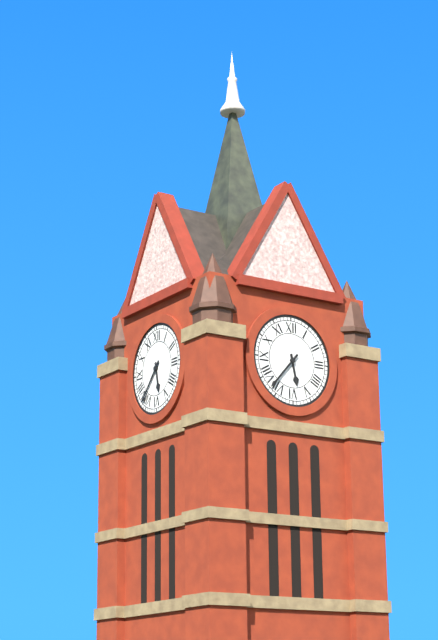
{"hour": 5, "minute": 37}
